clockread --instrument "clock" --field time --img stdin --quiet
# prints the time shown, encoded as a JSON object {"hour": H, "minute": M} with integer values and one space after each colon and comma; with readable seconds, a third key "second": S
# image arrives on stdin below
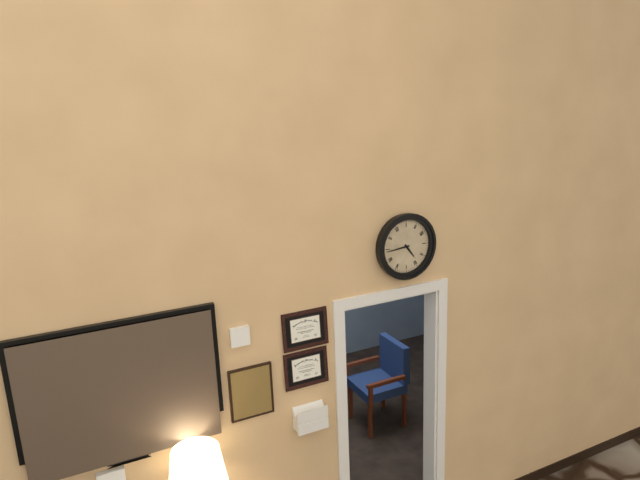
{"hour": 4, "minute": 44}
